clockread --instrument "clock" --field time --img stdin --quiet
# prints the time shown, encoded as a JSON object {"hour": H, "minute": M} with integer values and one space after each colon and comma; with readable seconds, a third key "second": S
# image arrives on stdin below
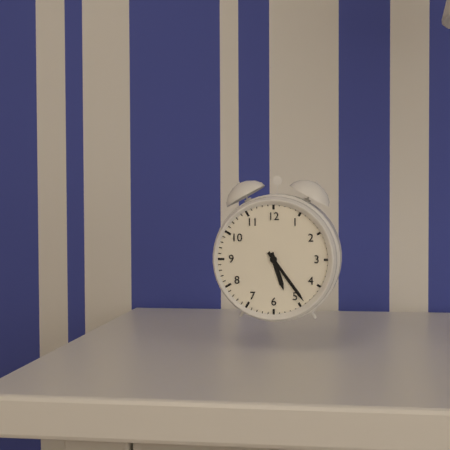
{"hour": 5, "minute": 24}
